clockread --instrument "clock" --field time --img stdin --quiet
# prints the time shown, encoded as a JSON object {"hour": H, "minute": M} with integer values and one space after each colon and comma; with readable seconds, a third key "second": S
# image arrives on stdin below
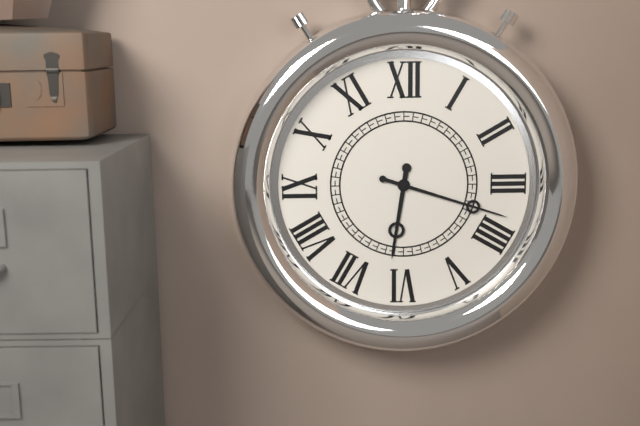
{"hour": 6, "minute": 18}
